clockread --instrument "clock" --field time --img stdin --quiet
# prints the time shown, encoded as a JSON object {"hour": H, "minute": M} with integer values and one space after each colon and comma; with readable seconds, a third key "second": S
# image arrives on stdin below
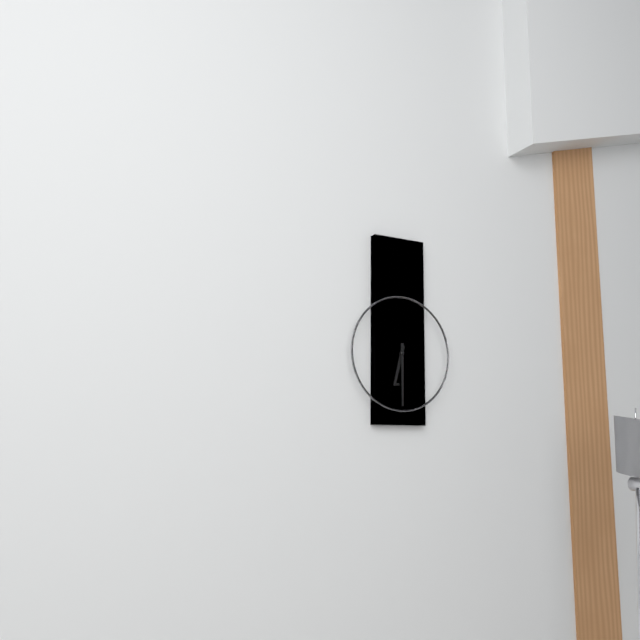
{"hour": 6, "minute": 30}
